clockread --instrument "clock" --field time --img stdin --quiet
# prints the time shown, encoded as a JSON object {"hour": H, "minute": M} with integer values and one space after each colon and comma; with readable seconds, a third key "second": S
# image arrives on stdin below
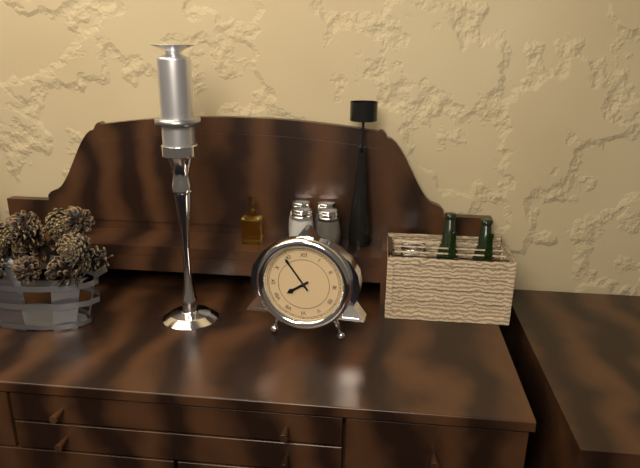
{"hour": 7, "minute": 54}
